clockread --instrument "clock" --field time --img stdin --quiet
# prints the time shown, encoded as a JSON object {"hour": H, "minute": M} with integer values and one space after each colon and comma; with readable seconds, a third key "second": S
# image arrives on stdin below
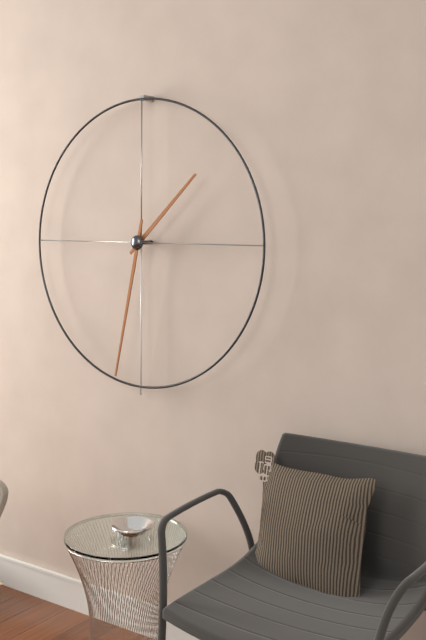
{"hour": 1, "minute": 32}
